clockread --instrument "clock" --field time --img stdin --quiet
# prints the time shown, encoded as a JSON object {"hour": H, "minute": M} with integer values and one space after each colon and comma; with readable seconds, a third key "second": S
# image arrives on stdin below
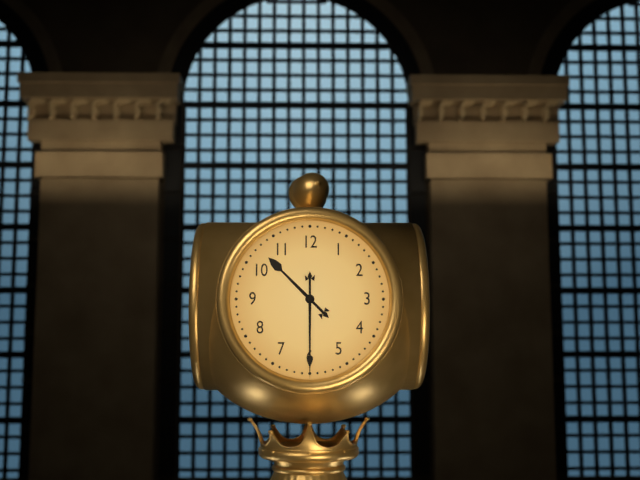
{"hour": 10, "minute": 30}
